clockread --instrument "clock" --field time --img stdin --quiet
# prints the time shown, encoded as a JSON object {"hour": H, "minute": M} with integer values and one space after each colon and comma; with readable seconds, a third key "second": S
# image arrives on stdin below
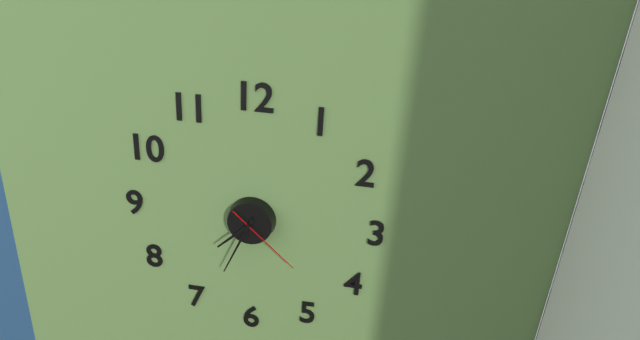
{"hour": 7, "minute": 34, "second": 22}
